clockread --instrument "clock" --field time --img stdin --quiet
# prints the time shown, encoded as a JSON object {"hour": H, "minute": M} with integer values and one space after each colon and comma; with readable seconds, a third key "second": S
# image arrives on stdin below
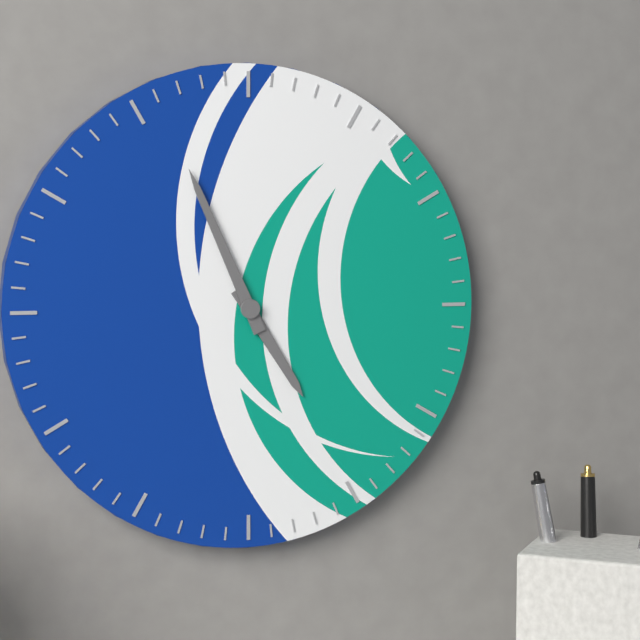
{"hour": 4, "minute": 56}
